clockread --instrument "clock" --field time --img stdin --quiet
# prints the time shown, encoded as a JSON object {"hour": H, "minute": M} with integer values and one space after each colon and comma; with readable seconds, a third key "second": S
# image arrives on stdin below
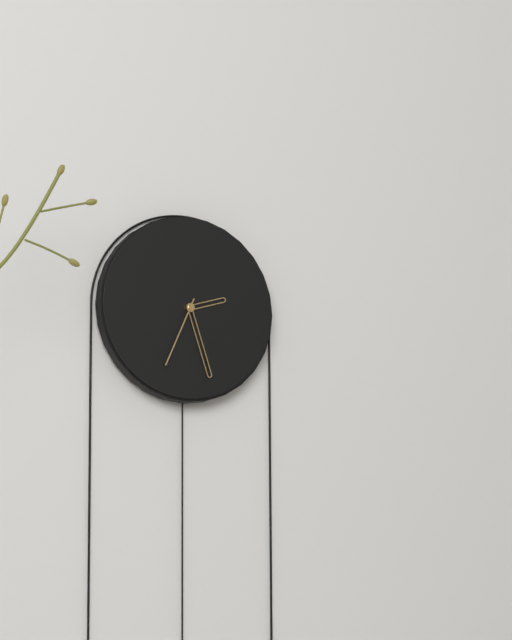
{"hour": 2, "minute": 27, "second": 34}
